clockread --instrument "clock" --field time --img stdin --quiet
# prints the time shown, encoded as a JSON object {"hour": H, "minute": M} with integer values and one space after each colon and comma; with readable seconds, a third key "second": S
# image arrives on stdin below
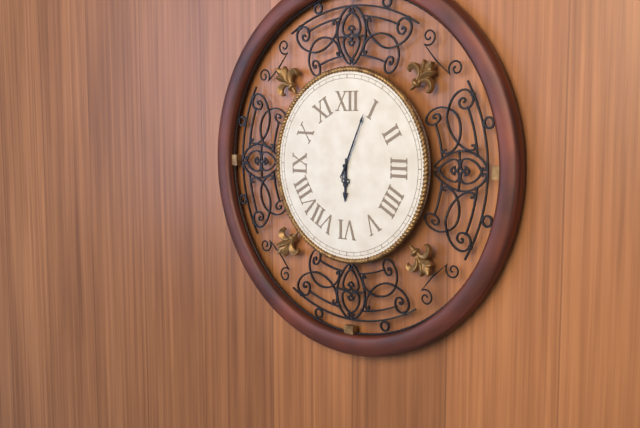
{"hour": 6, "minute": 4}
